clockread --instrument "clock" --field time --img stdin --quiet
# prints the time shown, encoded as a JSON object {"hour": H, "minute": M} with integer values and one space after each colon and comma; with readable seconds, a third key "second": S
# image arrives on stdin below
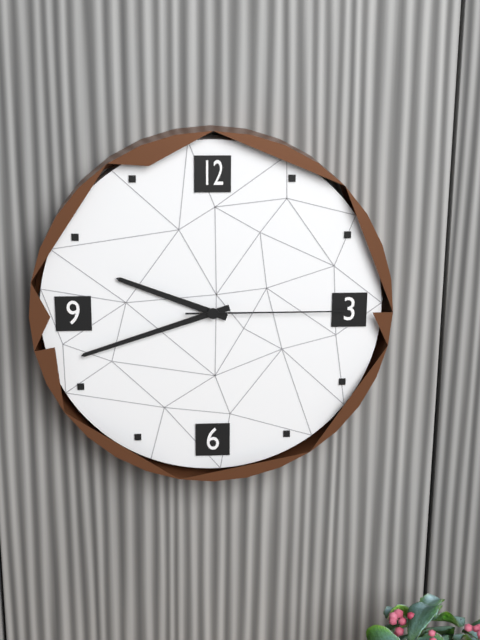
{"hour": 9, "minute": 42, "second": 15}
